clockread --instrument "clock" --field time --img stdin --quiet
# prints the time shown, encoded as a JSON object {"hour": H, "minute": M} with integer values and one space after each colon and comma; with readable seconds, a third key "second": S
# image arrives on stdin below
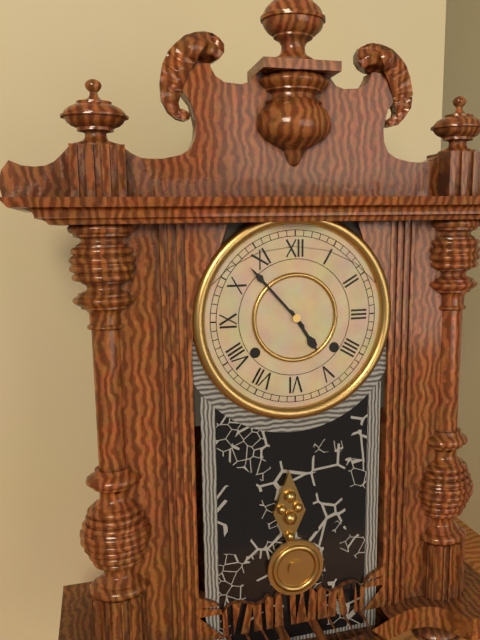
{"hour": 4, "minute": 53}
